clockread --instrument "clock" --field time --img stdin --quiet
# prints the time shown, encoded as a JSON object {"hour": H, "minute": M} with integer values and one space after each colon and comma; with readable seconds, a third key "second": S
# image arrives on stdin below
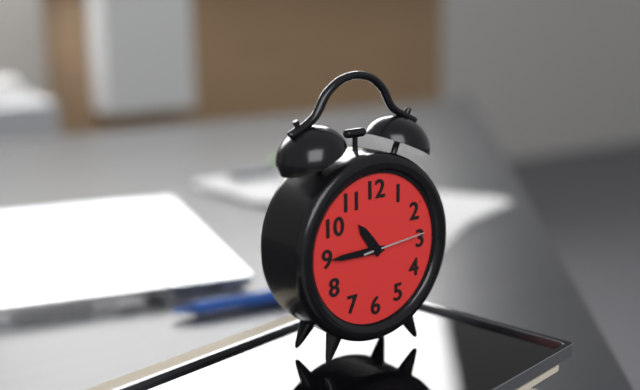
{"hour": 10, "minute": 45, "second": 14}
